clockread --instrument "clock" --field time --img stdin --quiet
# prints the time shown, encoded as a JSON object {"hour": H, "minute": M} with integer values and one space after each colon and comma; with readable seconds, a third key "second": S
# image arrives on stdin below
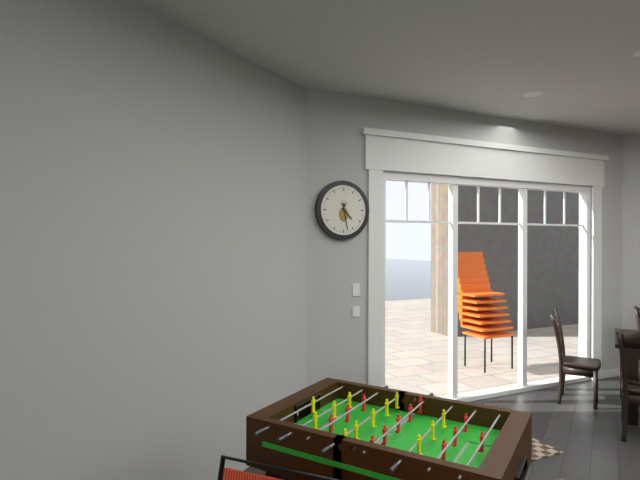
{"hour": 4, "minute": 28}
